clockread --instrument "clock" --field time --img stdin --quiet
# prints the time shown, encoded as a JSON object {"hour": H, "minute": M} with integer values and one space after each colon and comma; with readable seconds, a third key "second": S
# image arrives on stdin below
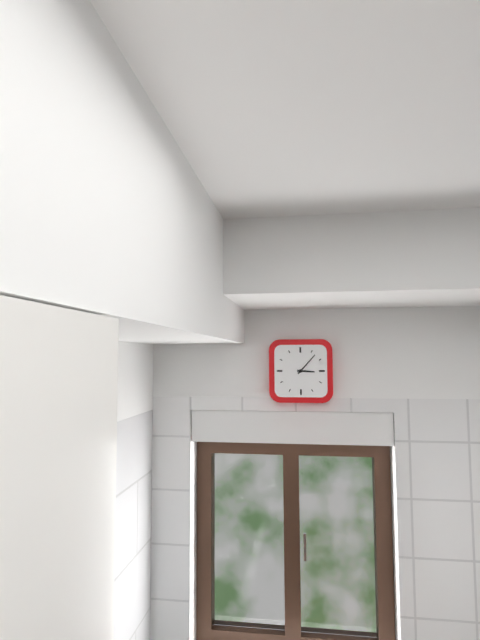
{"hour": 3, "minute": 7}
